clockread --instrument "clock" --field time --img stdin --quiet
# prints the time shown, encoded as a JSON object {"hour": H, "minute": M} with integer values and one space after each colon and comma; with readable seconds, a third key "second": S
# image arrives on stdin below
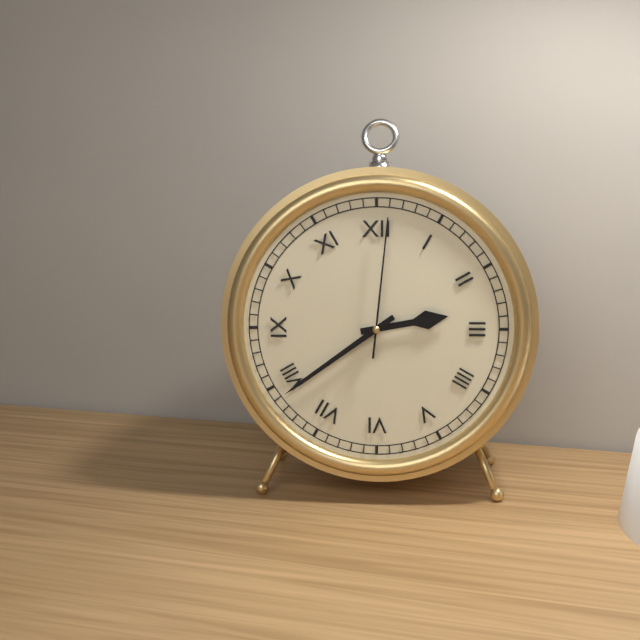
{"hour": 2, "minute": 39, "second": 1}
